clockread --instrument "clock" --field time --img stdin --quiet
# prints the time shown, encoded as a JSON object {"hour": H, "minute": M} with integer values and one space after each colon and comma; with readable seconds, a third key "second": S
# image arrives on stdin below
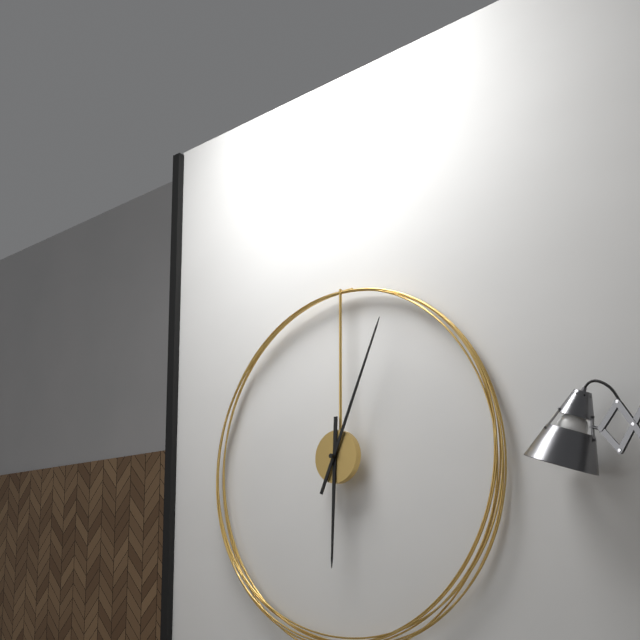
{"hour": 6, "minute": 4}
